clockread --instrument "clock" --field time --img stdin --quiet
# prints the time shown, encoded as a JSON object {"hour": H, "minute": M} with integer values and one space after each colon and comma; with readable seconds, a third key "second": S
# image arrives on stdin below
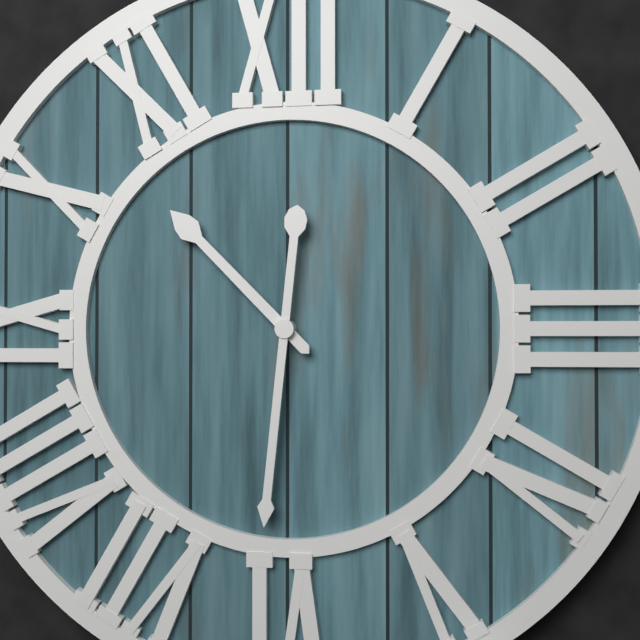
{"hour": 10, "minute": 31}
